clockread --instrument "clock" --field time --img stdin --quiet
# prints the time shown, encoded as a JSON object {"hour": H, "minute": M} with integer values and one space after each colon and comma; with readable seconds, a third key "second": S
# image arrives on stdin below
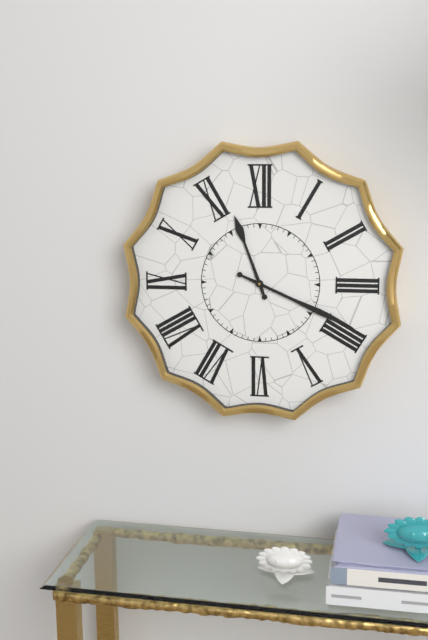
{"hour": 11, "minute": 19}
